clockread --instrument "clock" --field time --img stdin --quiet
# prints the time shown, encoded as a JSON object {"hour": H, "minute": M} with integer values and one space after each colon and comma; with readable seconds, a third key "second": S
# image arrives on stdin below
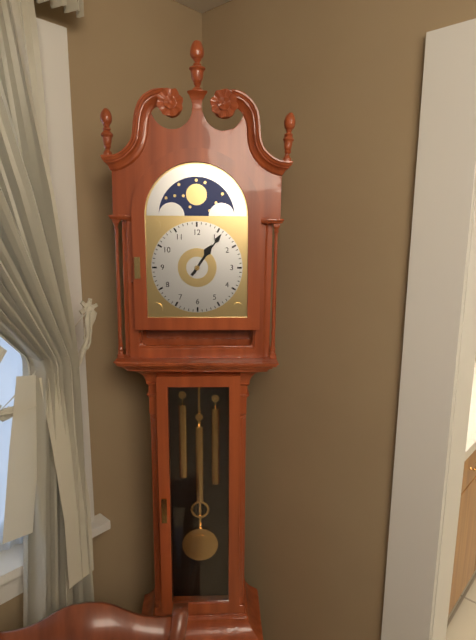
{"hour": 1, "minute": 6}
